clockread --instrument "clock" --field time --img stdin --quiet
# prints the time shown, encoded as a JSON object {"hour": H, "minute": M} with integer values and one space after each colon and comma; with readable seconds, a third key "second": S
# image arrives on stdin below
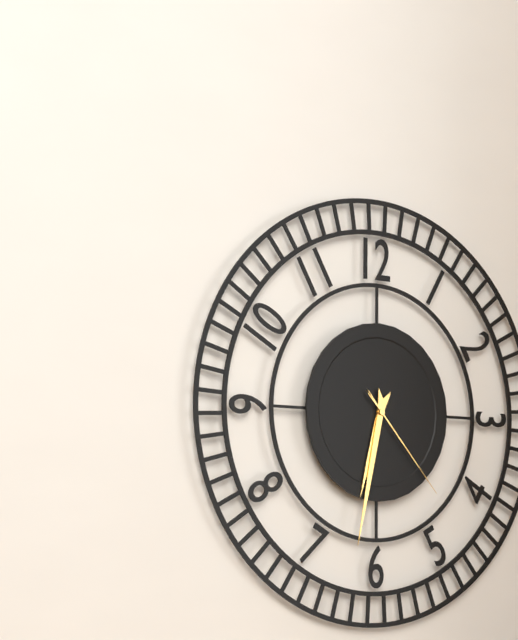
{"hour": 6, "minute": 32, "second": 23}
